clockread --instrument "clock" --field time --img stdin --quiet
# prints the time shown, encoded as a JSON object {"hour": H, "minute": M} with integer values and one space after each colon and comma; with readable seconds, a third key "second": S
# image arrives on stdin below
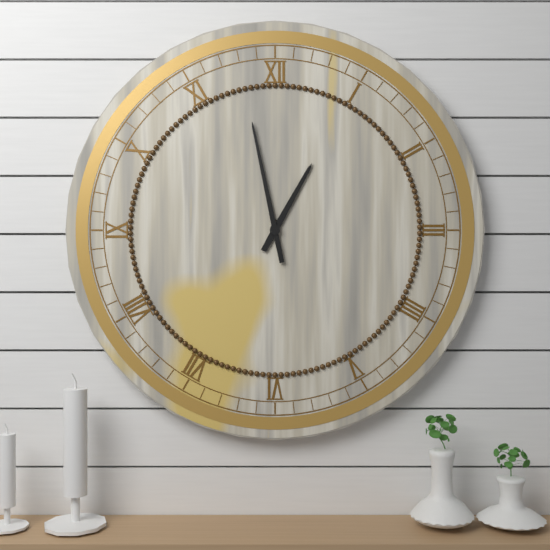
{"hour": 12, "minute": 58}
